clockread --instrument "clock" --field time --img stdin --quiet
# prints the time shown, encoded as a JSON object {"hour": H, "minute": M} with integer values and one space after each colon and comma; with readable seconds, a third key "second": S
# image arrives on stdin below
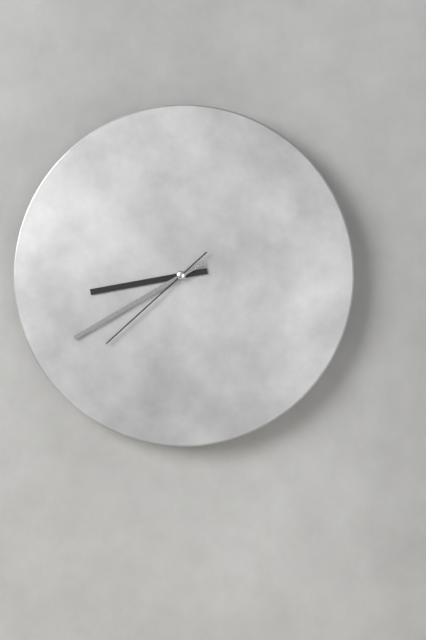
{"hour": 8, "minute": 40, "second": 38}
